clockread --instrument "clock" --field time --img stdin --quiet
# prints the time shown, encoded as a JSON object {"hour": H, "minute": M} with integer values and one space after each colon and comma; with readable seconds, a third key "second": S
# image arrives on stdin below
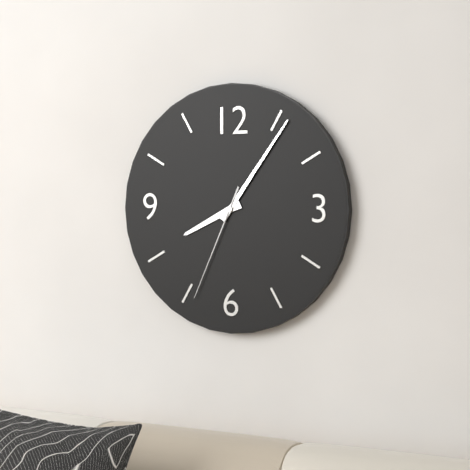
{"hour": 8, "minute": 6, "second": 34}
